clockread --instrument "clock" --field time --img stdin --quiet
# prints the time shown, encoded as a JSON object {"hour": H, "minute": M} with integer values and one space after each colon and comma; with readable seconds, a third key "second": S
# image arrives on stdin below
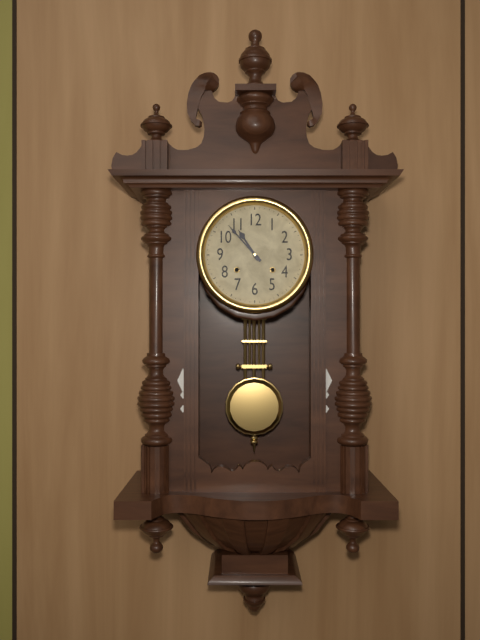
{"hour": 10, "minute": 53}
